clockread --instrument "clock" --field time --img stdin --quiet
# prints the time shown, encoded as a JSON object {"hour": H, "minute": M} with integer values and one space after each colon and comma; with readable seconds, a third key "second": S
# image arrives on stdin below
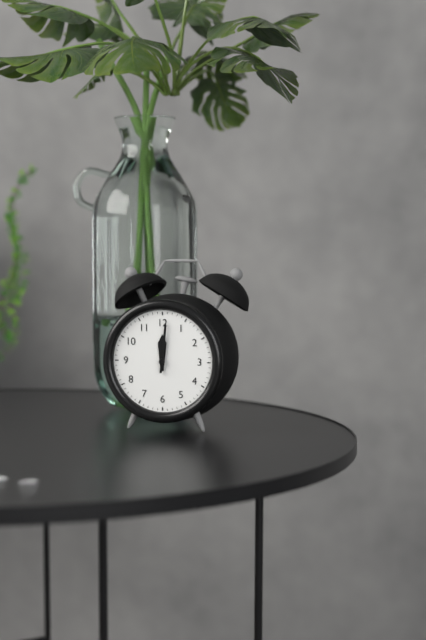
{"hour": 12, "minute": 1}
